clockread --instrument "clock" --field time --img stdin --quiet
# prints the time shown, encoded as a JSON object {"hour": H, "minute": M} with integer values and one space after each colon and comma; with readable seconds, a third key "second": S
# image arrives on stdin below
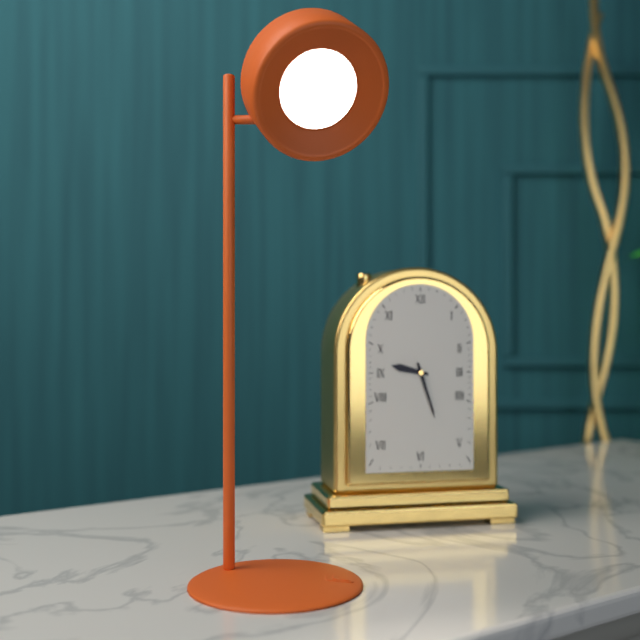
{"hour": 9, "minute": 27}
